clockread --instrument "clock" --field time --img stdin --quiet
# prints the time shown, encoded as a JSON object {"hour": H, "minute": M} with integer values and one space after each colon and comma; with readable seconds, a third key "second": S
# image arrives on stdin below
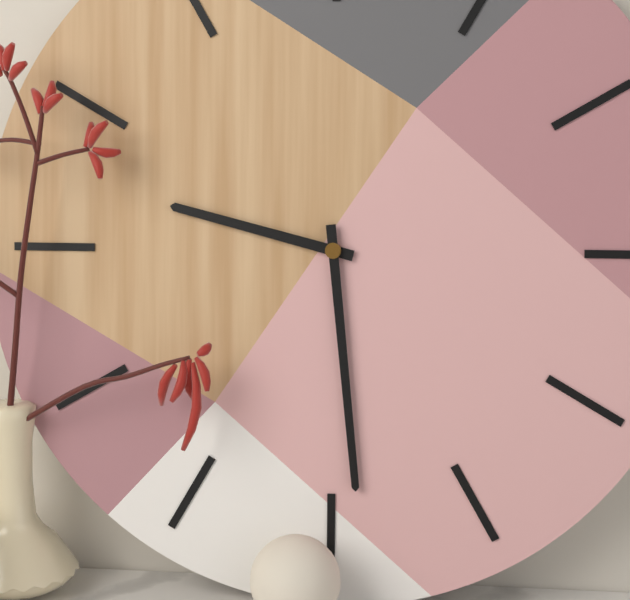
{"hour": 9, "minute": 29}
